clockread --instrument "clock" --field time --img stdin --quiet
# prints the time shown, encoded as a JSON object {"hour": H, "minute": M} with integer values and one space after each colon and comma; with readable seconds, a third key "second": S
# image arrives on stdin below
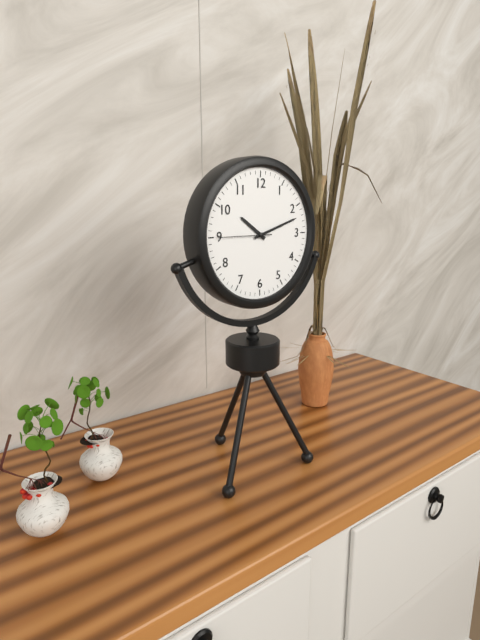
{"hour": 10, "minute": 12, "second": 45}
